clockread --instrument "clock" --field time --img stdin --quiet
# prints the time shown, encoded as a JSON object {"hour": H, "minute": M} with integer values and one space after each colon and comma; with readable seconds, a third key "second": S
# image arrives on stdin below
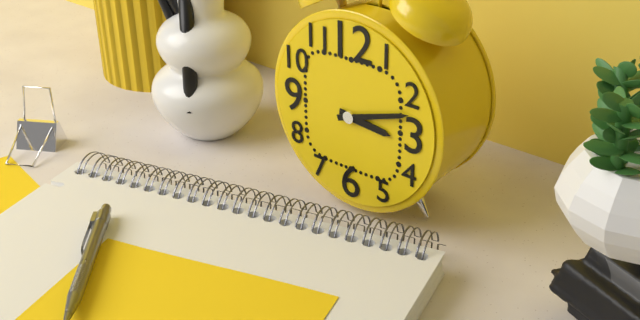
{"hour": 3, "minute": 12}
